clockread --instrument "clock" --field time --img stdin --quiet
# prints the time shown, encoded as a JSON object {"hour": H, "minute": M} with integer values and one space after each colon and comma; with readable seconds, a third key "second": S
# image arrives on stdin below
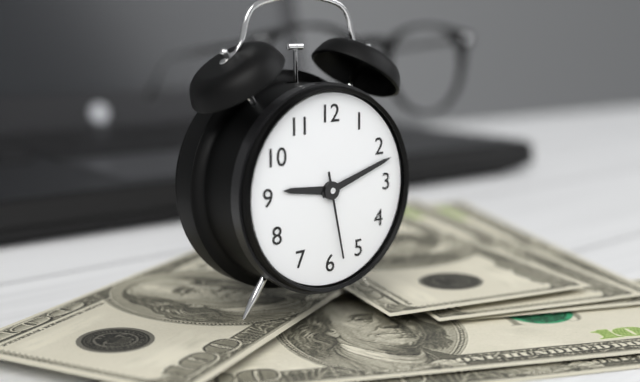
{"hour": 9, "minute": 12, "second": 28}
